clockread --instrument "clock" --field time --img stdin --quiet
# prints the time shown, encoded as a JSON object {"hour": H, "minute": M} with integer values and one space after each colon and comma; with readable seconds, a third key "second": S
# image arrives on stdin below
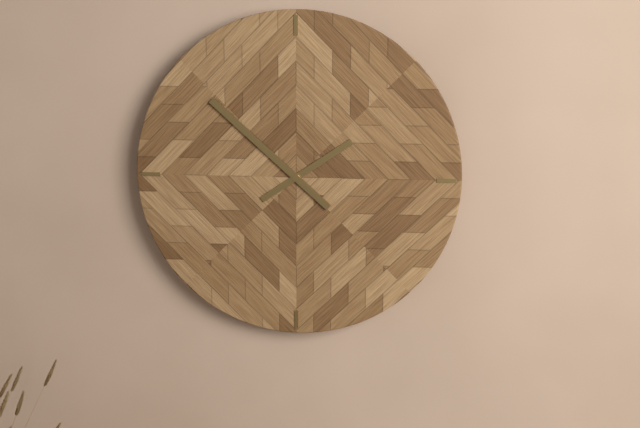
{"hour": 1, "minute": 52}
